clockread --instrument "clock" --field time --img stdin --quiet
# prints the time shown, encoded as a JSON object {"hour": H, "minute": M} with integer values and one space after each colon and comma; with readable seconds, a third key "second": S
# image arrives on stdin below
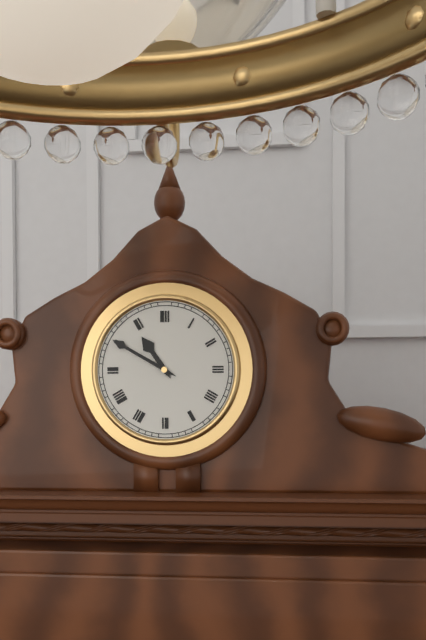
{"hour": 10, "minute": 50}
